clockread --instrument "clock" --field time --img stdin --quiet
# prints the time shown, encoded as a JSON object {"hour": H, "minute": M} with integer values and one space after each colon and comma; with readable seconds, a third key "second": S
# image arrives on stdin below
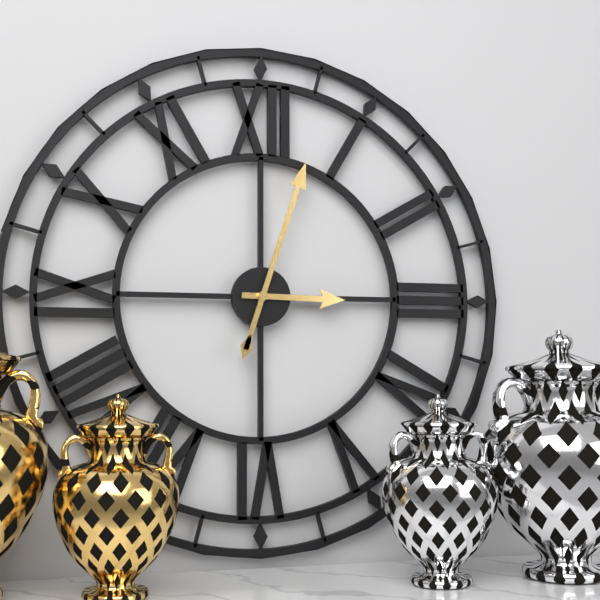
{"hour": 3, "minute": 3}
